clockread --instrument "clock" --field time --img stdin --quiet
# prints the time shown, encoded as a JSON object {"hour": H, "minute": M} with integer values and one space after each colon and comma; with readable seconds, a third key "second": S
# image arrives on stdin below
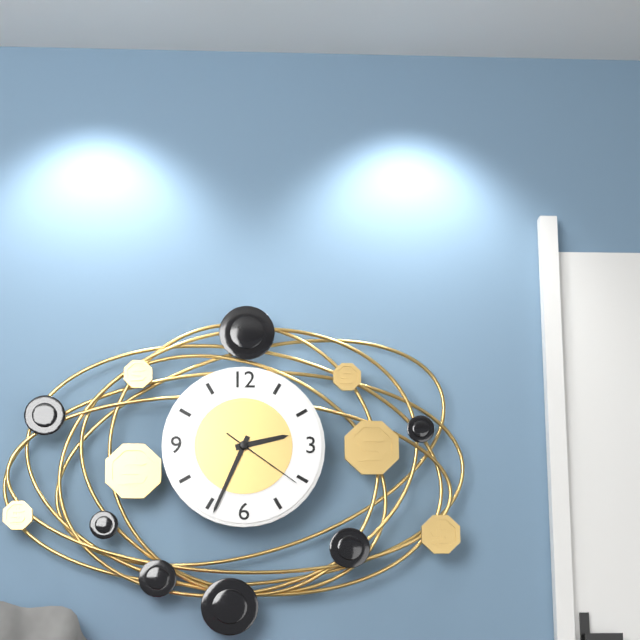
{"hour": 2, "minute": 34, "second": 21}
